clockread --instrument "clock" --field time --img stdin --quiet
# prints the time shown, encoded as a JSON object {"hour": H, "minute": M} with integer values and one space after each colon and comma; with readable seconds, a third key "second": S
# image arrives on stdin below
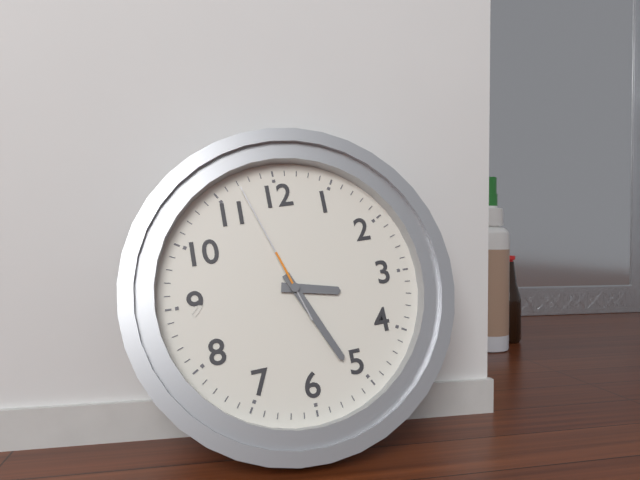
{"hour": 3, "minute": 26, "second": 57}
